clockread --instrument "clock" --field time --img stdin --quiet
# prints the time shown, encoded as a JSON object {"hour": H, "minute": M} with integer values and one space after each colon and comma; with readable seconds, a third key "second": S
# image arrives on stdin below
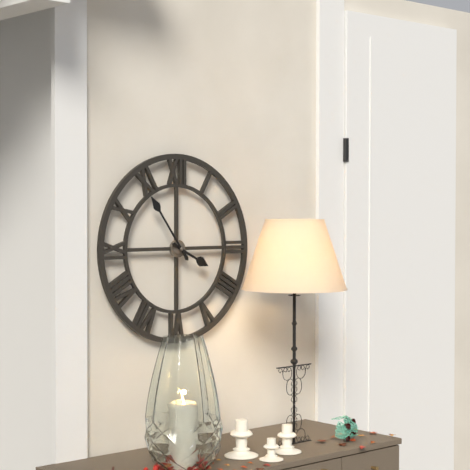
{"hour": 3, "minute": 54}
